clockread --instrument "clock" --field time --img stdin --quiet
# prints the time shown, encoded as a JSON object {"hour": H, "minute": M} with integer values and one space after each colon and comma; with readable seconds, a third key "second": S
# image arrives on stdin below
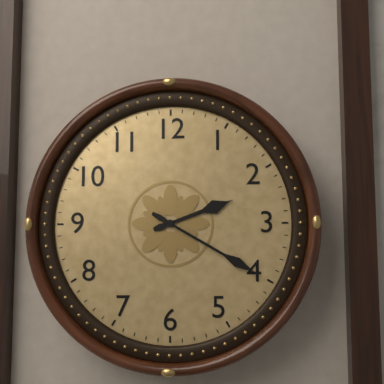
{"hour": 2, "minute": 20}
